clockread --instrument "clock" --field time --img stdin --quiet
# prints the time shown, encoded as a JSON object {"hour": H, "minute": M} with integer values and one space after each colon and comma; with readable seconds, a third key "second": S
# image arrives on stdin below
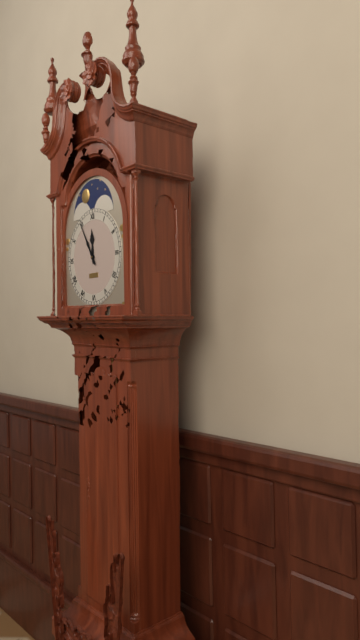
{"hour": 11, "minute": 55}
